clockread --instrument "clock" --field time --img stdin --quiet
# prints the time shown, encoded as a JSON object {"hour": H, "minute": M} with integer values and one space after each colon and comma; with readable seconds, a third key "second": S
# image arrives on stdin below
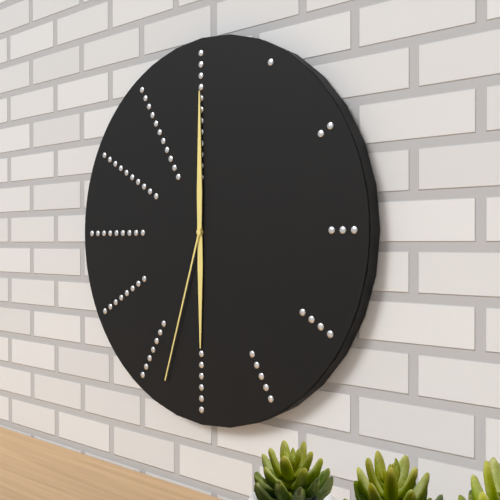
{"hour": 6, "minute": 0, "second": 33}
